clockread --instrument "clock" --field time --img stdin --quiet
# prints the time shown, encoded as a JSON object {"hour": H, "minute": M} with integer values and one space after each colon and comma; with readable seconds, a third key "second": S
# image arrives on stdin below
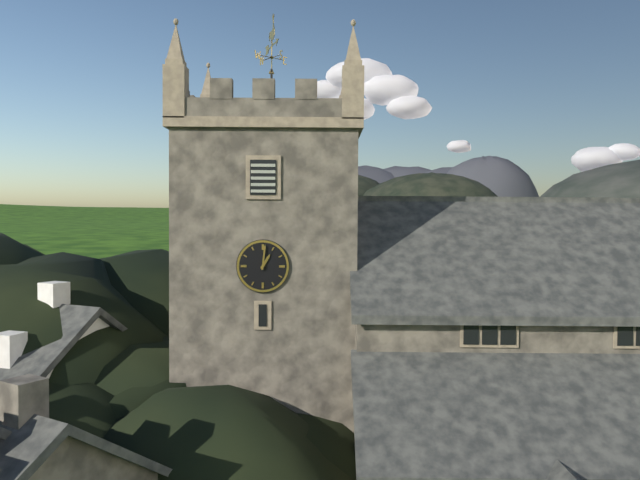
{"hour": 1, "minute": 1}
